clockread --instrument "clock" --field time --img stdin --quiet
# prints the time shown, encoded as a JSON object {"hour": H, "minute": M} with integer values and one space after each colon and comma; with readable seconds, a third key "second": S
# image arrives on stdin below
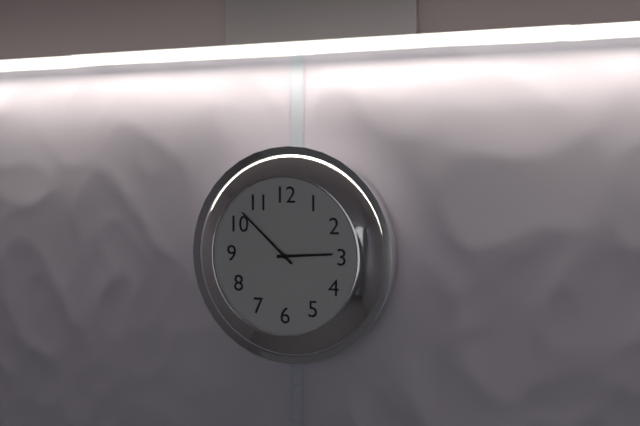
{"hour": 2, "minute": 52}
